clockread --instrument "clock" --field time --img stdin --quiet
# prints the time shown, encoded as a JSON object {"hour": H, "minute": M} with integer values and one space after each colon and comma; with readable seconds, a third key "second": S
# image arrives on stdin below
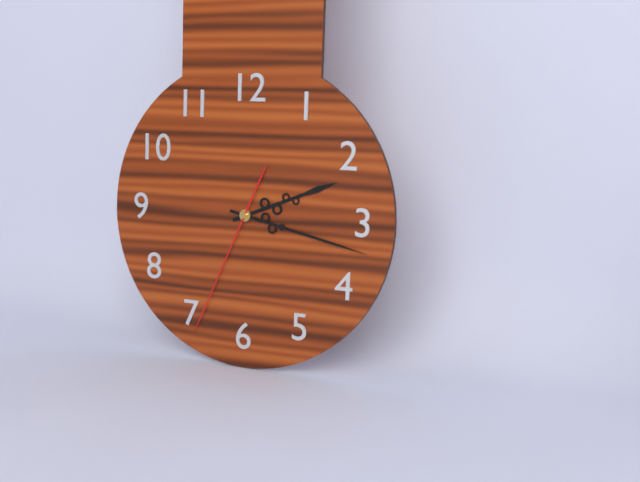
{"hour": 2, "minute": 17, "second": 34}
